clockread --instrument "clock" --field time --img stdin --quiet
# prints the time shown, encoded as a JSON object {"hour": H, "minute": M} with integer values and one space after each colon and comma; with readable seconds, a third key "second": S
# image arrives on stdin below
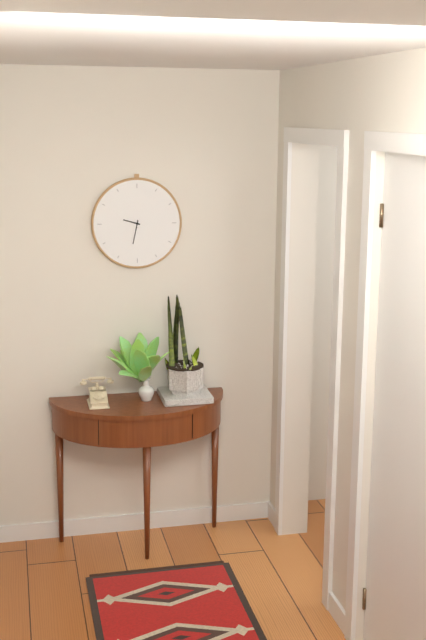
{"hour": 9, "minute": 32}
